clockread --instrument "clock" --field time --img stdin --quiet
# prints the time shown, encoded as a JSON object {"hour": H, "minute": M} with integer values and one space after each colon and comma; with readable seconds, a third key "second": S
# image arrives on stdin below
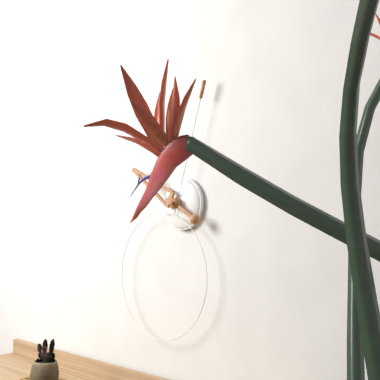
{"hour": 10, "minute": 3}
